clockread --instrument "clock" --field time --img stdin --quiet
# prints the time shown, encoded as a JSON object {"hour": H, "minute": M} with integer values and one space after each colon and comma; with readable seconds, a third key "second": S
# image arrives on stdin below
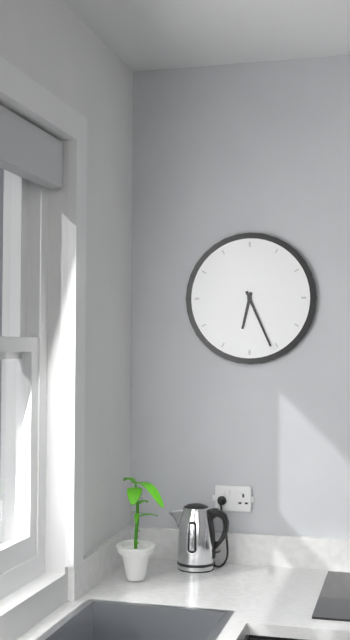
{"hour": 6, "minute": 26}
